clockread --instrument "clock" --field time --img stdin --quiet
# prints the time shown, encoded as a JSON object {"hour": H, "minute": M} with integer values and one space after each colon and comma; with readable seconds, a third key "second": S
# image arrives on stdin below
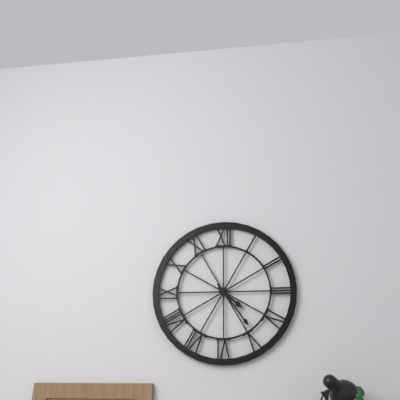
{"hour": 4, "minute": 24}
